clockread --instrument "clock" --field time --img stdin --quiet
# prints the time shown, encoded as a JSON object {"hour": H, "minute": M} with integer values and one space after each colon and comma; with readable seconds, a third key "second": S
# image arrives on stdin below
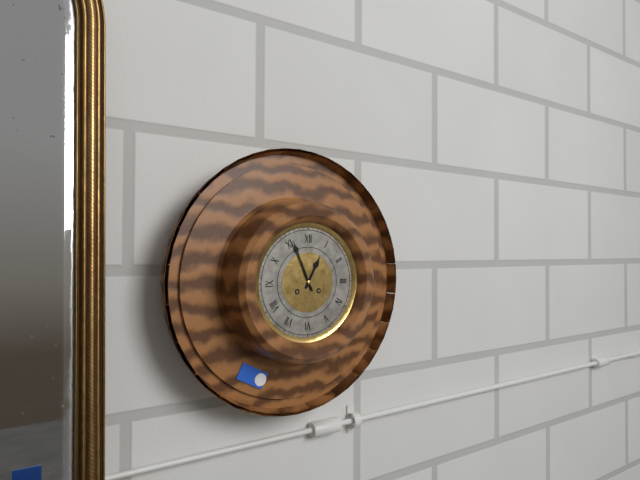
{"hour": 12, "minute": 56}
